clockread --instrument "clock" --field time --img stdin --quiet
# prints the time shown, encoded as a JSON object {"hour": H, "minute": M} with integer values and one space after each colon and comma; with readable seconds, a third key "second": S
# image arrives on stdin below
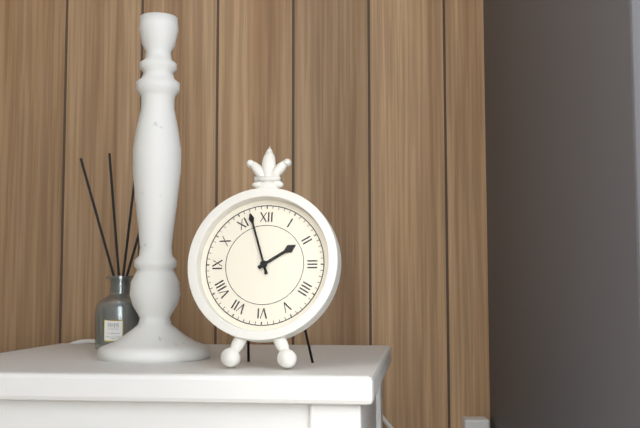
{"hour": 1, "minute": 57}
